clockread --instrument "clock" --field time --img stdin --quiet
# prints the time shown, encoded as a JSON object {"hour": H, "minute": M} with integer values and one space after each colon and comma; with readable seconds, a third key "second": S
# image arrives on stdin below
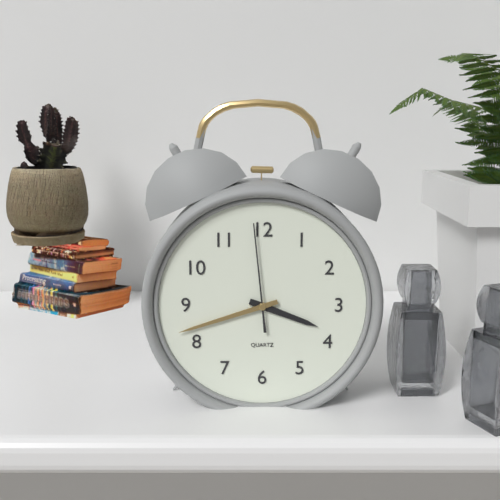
{"hour": 3, "minute": 42, "second": 59}
